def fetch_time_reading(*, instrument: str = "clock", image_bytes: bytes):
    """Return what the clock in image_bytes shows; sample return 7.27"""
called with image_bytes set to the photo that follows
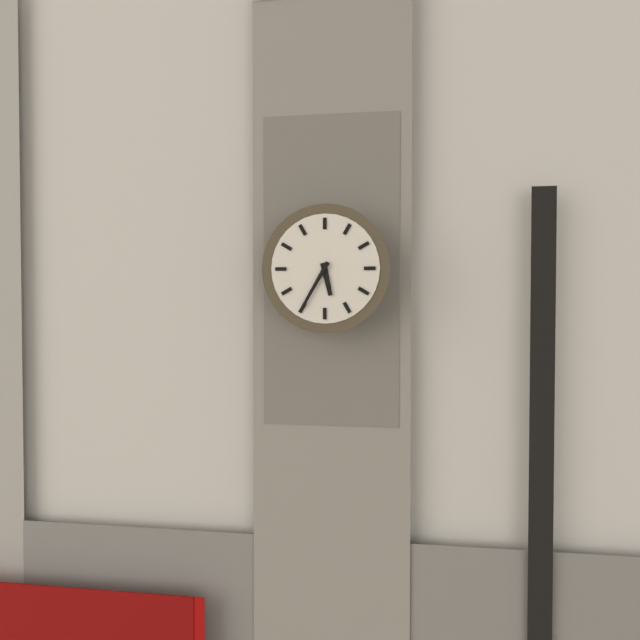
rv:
5.35
